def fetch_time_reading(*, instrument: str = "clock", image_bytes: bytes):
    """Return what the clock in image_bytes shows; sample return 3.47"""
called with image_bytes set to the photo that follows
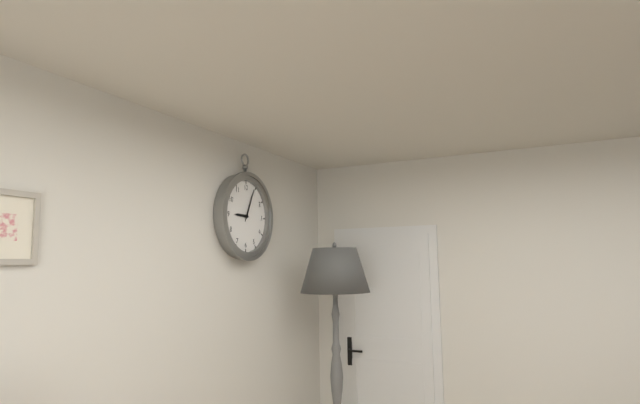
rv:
9.04
